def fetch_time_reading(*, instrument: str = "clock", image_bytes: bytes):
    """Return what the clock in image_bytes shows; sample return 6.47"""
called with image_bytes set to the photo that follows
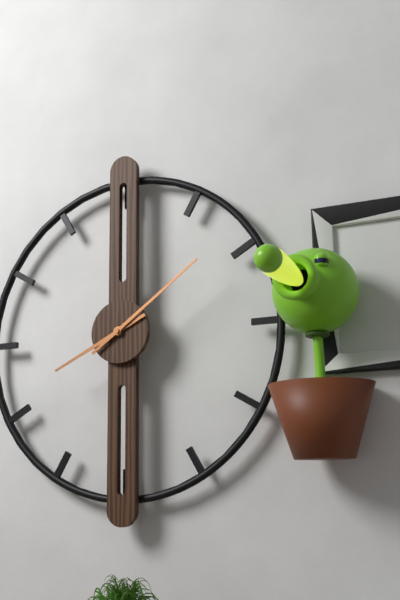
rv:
8.09
